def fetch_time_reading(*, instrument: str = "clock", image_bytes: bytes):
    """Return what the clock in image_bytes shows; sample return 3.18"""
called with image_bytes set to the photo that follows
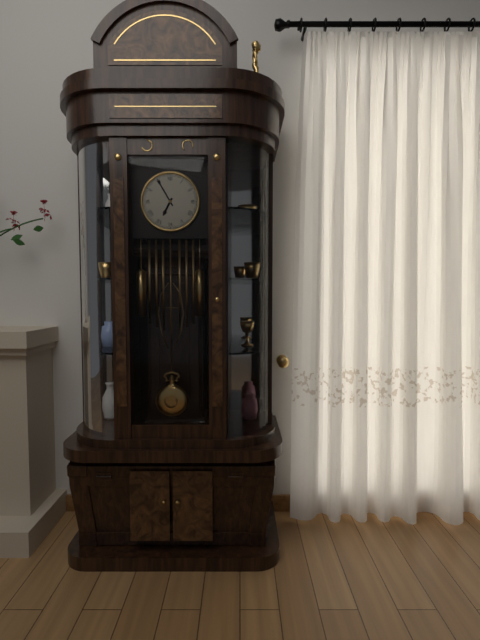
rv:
6.55
